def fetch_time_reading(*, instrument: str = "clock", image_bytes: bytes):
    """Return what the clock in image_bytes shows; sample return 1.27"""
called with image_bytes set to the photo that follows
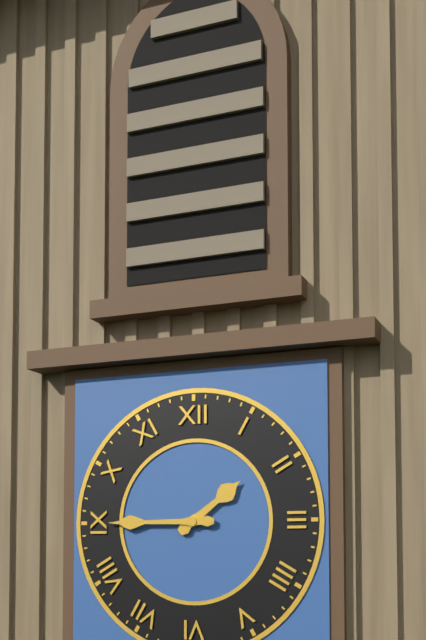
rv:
1.45
